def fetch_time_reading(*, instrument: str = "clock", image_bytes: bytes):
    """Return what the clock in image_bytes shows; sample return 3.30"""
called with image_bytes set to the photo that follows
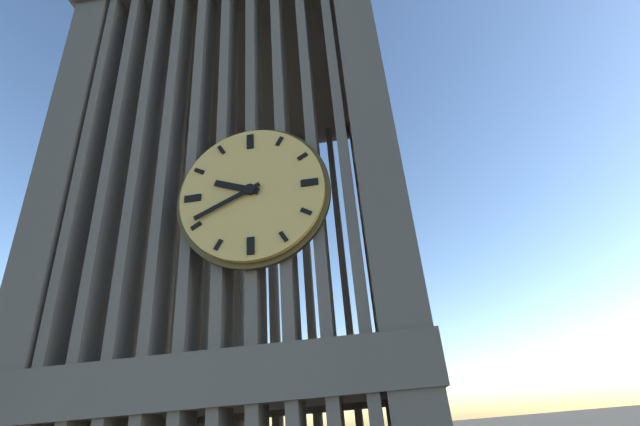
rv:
9.41
